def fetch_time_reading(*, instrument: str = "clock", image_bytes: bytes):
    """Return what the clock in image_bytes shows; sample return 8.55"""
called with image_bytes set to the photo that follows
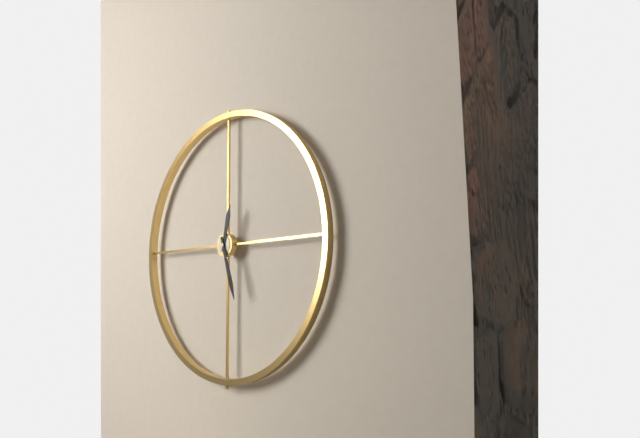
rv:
12.27
